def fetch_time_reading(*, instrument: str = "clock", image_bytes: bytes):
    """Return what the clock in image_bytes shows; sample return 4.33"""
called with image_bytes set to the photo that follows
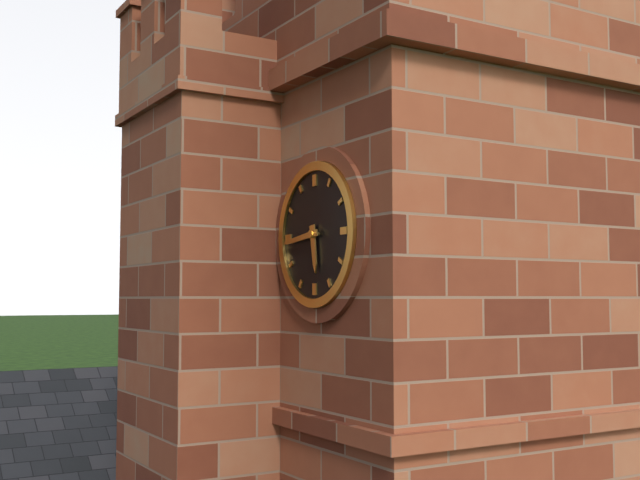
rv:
5.44
